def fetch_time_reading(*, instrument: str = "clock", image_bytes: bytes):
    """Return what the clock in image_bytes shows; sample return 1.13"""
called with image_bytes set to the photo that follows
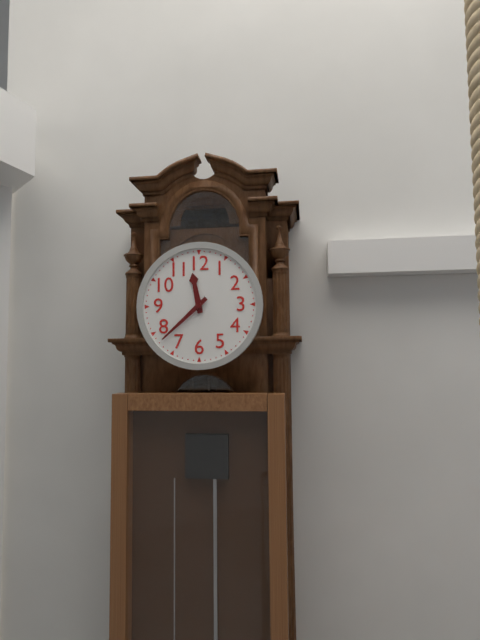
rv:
11.38
